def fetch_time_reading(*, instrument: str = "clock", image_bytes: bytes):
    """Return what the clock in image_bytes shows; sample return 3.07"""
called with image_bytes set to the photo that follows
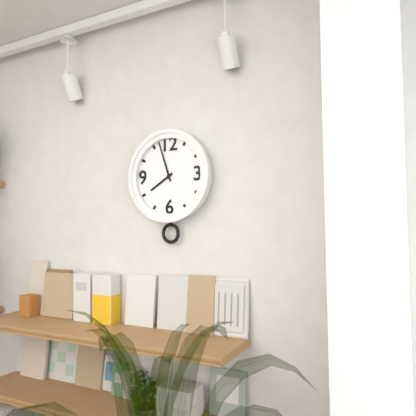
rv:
7.57
